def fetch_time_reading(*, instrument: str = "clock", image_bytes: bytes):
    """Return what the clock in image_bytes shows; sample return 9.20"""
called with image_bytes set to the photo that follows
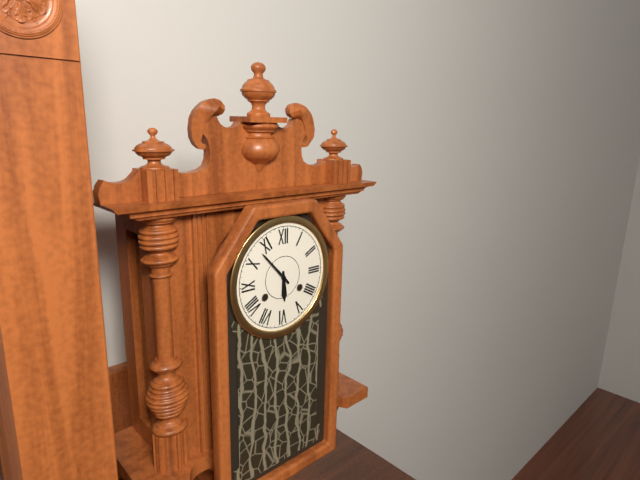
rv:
5.53
